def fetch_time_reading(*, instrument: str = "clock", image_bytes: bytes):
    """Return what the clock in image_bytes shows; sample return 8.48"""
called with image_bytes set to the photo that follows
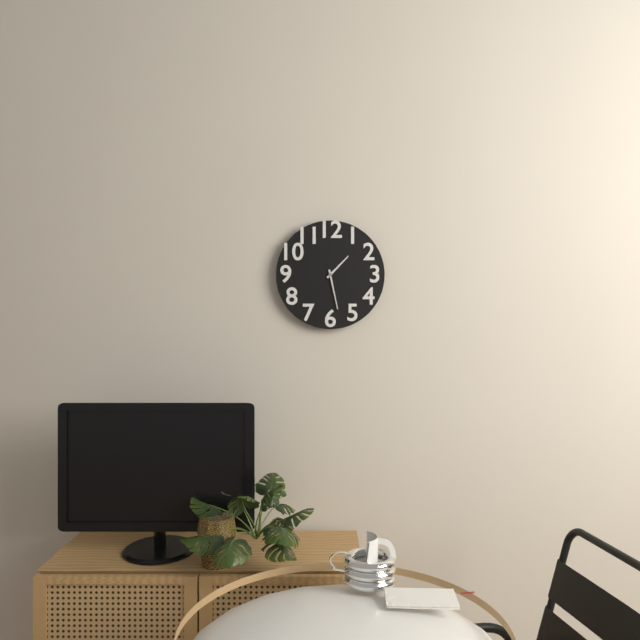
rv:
1.28
